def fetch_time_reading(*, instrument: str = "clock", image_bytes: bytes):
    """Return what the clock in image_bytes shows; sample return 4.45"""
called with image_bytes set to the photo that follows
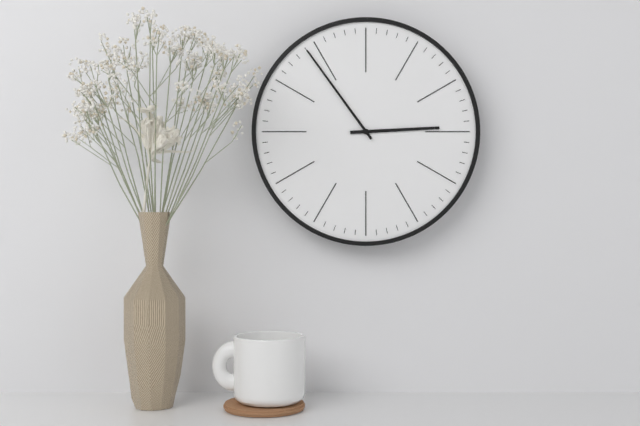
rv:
2.54
